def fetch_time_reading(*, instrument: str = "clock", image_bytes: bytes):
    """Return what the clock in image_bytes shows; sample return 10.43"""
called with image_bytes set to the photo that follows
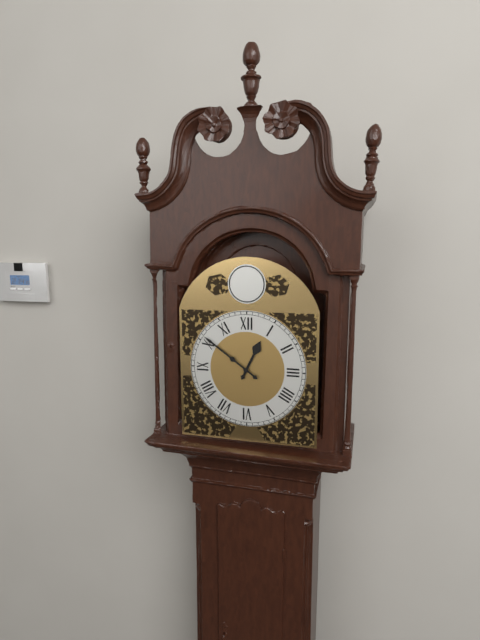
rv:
12.51
